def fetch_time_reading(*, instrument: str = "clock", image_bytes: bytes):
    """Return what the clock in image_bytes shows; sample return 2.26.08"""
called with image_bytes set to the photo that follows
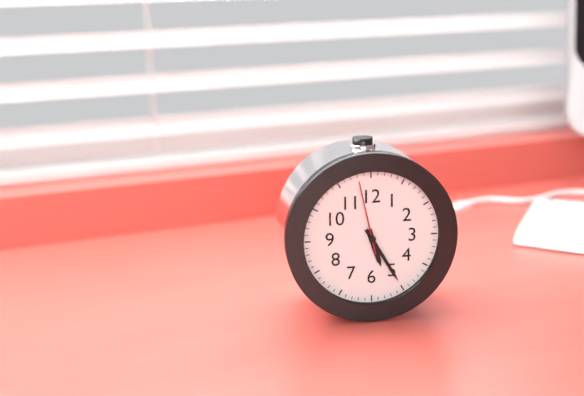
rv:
5.25.58
